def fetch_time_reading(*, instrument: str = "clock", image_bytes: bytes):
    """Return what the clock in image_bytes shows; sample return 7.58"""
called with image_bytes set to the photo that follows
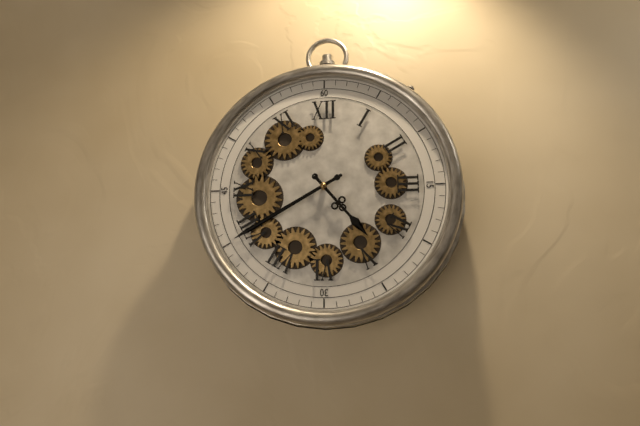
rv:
4.40
